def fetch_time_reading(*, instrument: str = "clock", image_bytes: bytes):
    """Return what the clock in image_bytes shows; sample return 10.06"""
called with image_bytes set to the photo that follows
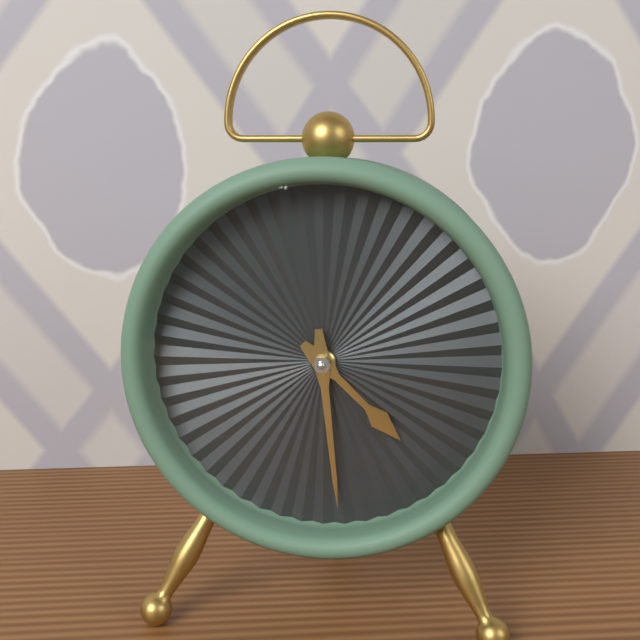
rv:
4.29
